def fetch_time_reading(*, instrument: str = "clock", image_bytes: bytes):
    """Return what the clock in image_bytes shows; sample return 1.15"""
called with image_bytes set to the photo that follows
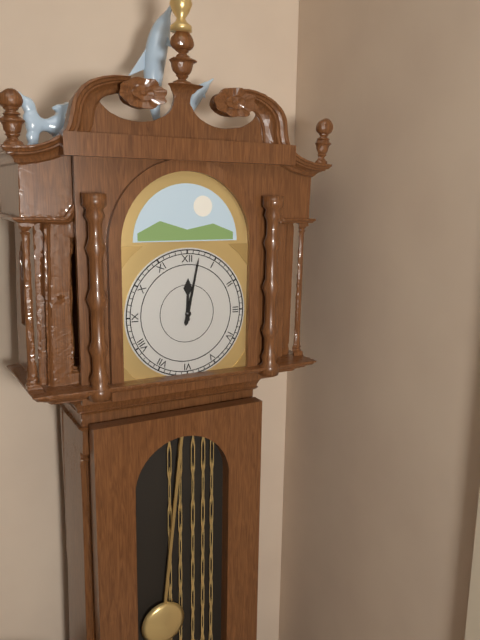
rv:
12.02
